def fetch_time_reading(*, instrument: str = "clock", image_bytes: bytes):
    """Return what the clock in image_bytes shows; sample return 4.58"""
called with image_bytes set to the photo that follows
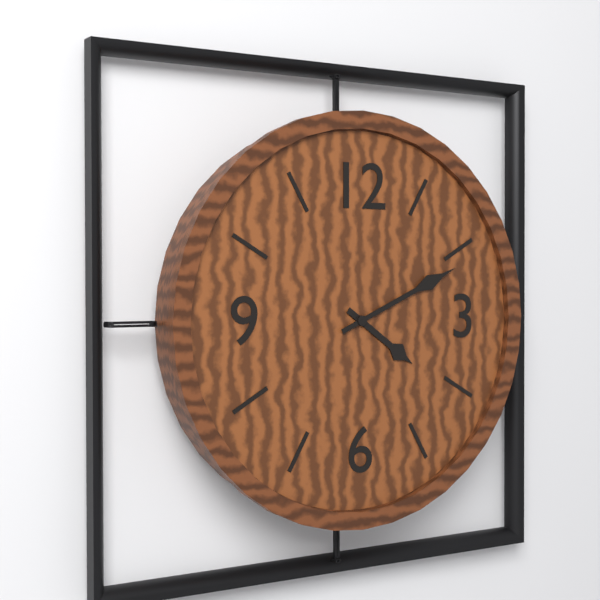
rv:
4.11
